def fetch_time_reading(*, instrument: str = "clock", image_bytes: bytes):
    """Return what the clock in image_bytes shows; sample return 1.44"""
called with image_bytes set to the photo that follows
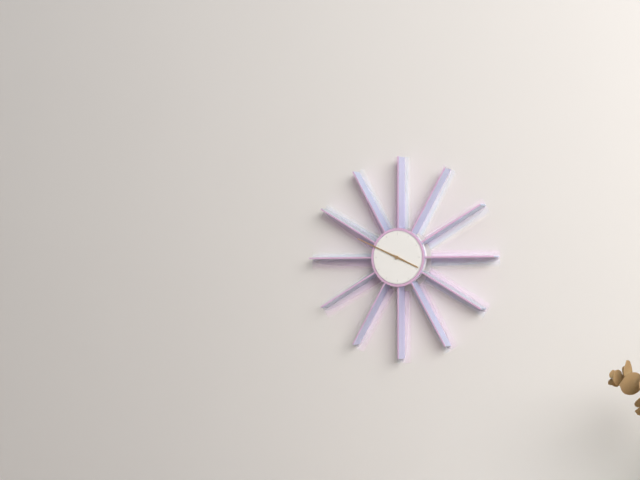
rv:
3.49
